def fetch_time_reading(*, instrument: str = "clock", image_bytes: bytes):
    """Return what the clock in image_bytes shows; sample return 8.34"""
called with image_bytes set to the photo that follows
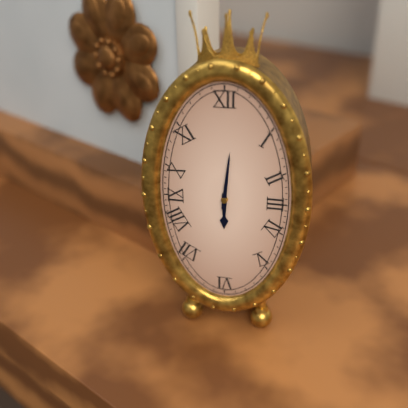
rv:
6.01
